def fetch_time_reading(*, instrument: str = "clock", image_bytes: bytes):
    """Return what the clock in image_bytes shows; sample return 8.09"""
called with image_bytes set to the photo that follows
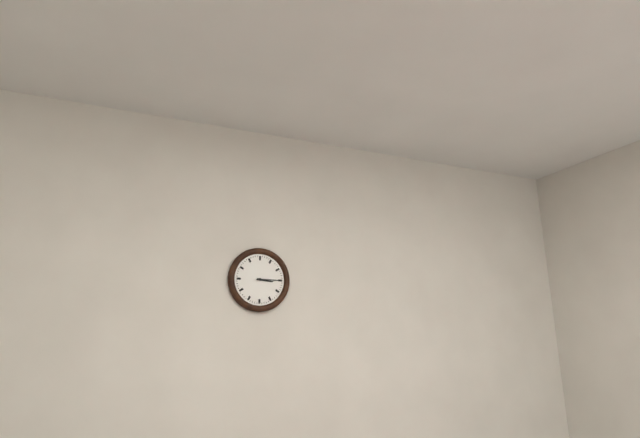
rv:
3.15
